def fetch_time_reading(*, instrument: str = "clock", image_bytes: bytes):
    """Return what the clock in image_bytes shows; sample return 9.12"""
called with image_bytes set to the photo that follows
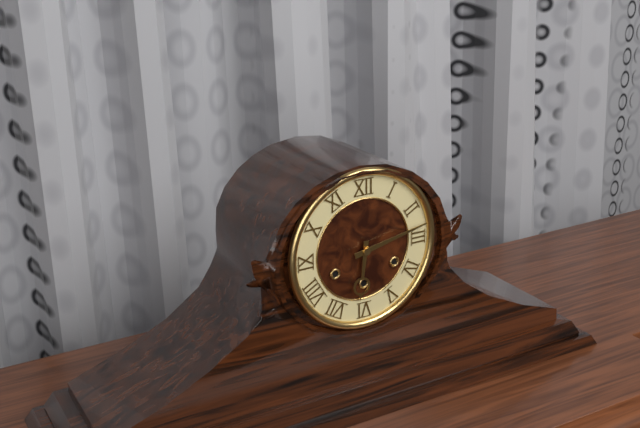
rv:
6.13
